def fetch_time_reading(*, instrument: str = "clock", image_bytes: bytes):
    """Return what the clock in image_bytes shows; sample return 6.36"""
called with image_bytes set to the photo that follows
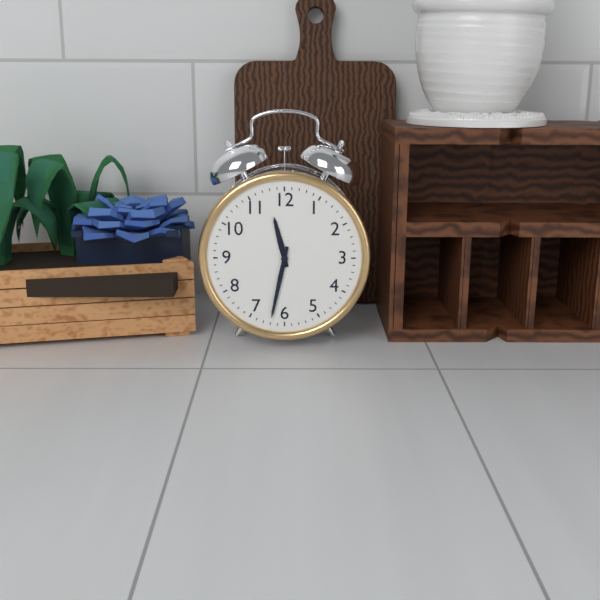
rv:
11.32
